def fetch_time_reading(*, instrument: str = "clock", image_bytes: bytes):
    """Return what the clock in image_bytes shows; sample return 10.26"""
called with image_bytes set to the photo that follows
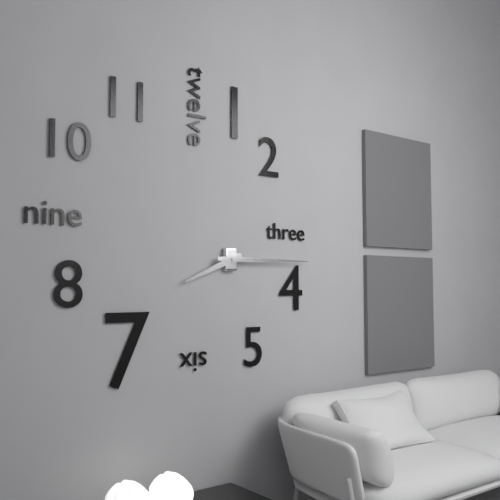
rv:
8.15
